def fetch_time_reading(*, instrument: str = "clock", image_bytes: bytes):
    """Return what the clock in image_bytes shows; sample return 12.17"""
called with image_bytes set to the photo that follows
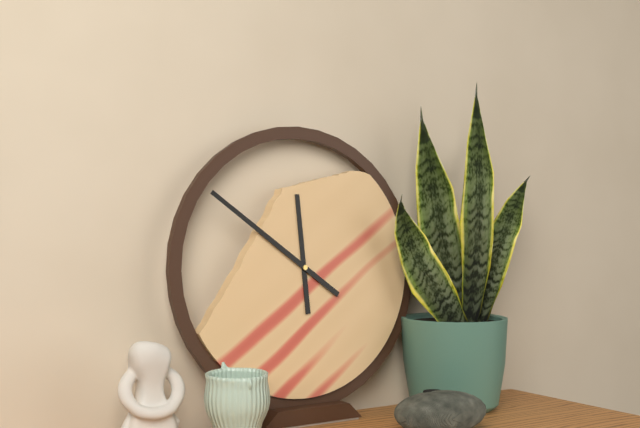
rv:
11.51
